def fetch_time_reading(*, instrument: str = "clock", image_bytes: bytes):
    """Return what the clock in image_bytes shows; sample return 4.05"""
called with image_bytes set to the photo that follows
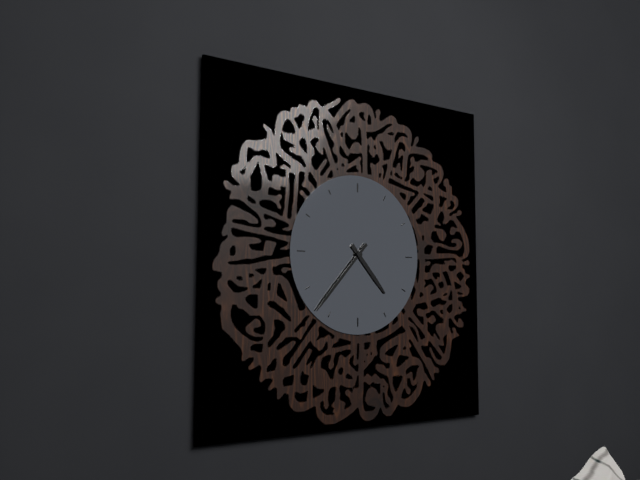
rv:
4.37
